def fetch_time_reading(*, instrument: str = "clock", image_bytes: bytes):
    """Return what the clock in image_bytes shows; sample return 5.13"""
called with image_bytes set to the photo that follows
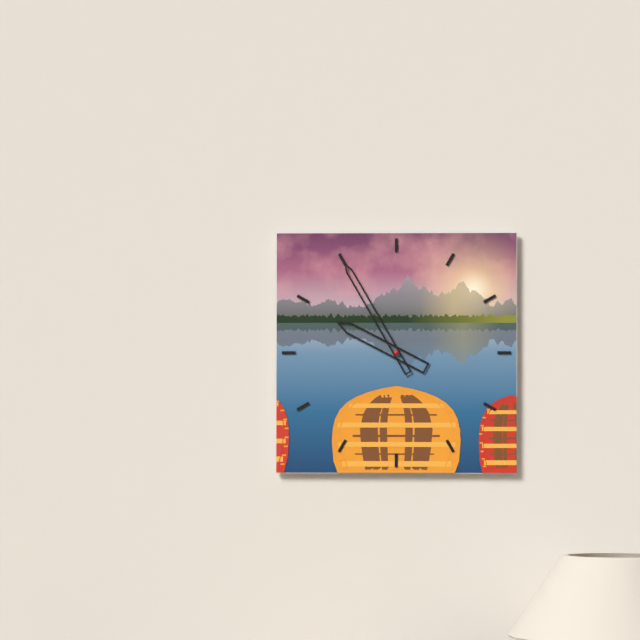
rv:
9.55
